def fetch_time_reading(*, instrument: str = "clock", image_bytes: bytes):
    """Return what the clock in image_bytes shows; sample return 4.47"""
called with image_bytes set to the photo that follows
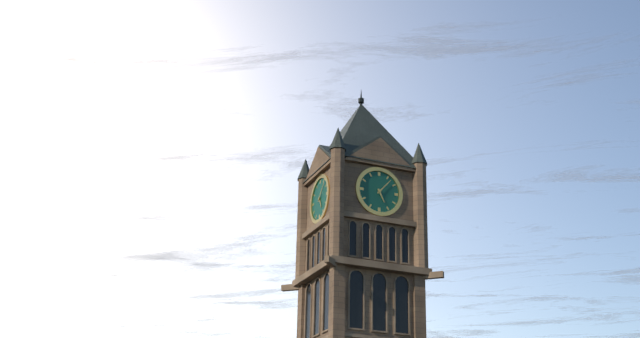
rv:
5.07
